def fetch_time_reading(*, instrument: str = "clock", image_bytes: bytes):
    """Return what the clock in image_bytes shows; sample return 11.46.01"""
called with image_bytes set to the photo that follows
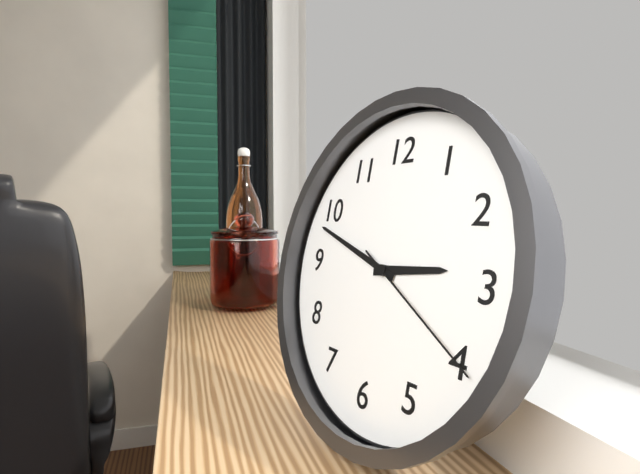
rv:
2.48.20
